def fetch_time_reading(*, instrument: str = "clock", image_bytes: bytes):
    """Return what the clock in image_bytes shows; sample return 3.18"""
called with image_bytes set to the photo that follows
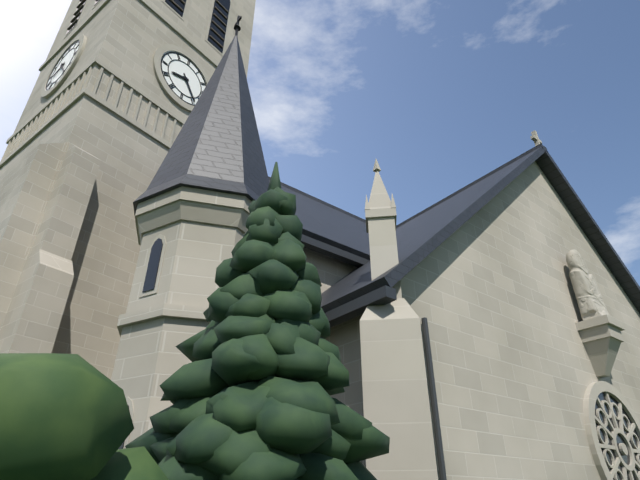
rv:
8.24
